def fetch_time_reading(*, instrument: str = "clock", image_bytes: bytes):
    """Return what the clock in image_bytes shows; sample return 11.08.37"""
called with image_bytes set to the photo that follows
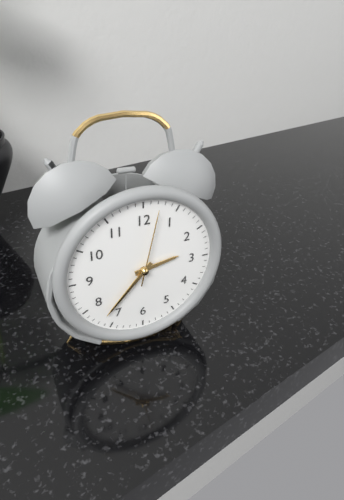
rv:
2.37.02
